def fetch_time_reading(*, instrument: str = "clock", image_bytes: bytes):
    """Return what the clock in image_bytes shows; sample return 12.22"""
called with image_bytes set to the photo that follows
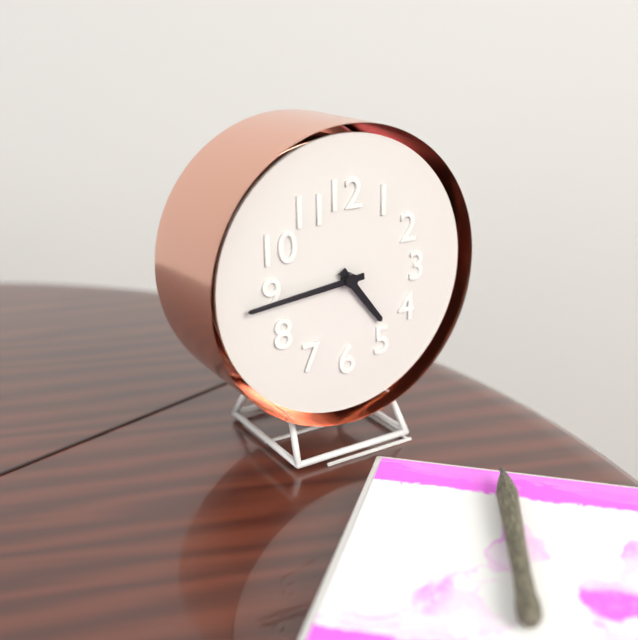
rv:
4.44
